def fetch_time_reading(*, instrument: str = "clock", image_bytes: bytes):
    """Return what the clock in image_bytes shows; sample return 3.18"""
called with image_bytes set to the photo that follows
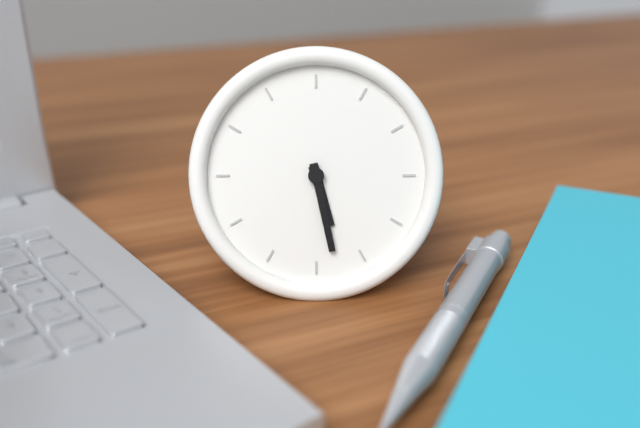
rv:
5.28
